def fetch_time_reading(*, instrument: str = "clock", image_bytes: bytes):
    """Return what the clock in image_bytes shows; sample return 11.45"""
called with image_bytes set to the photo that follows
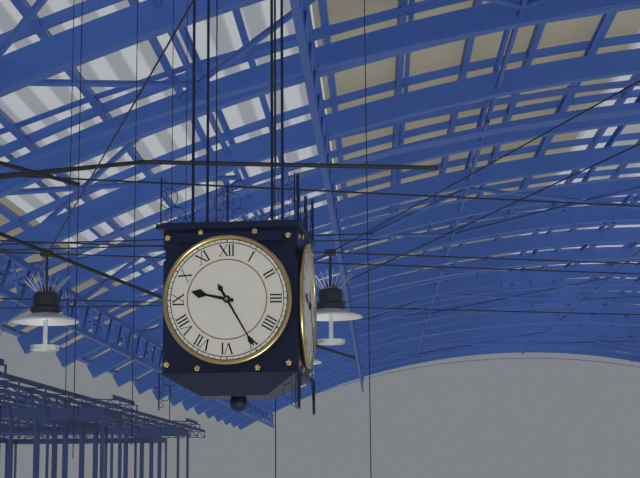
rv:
9.25
